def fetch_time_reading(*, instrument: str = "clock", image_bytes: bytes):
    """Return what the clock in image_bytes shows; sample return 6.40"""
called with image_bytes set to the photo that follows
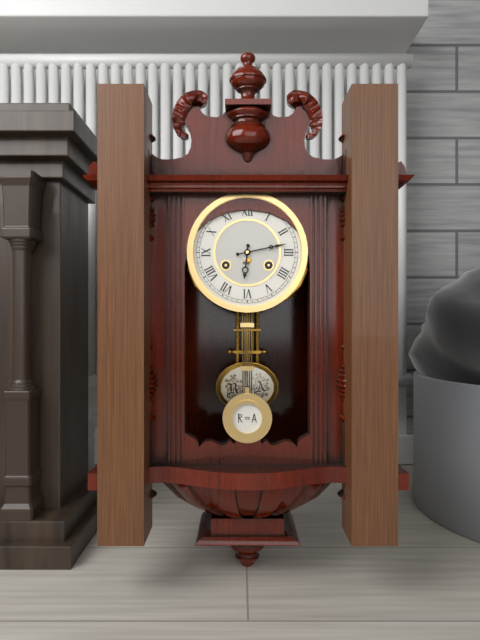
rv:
6.13
